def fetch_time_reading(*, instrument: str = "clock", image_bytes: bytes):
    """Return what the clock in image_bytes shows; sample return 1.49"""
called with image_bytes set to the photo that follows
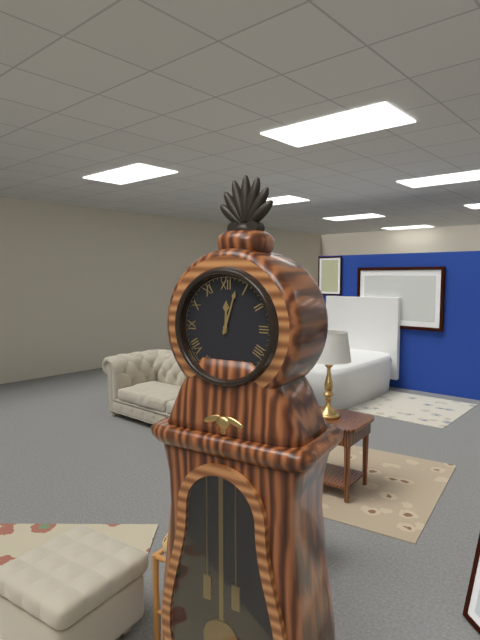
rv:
12.03
